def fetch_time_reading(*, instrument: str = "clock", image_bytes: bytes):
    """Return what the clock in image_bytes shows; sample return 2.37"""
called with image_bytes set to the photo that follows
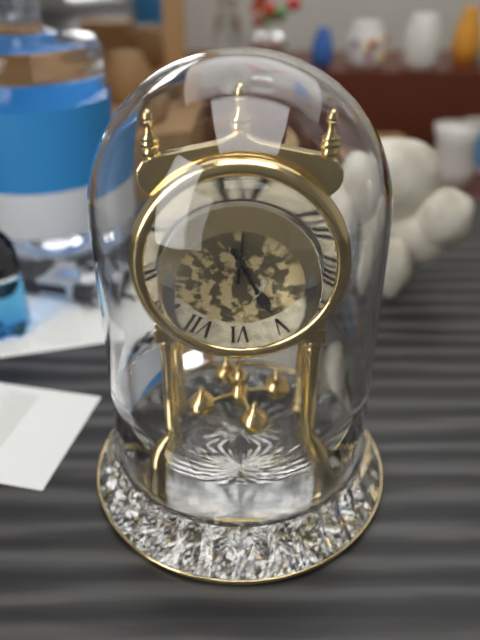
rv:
5.01
